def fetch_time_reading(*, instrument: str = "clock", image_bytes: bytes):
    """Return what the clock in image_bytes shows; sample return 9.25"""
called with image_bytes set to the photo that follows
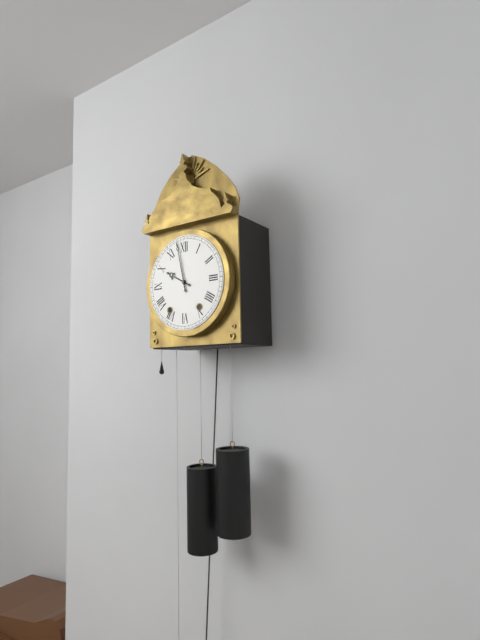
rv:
9.58
